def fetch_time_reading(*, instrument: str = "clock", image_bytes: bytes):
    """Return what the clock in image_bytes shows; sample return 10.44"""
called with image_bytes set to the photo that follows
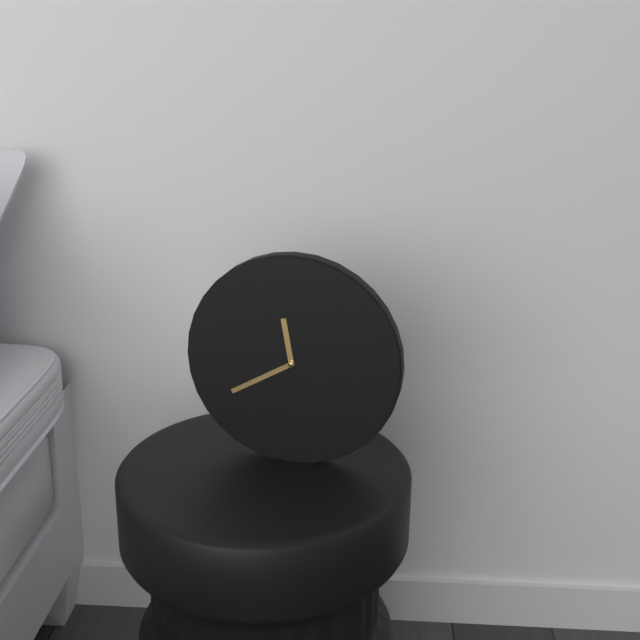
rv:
11.40
